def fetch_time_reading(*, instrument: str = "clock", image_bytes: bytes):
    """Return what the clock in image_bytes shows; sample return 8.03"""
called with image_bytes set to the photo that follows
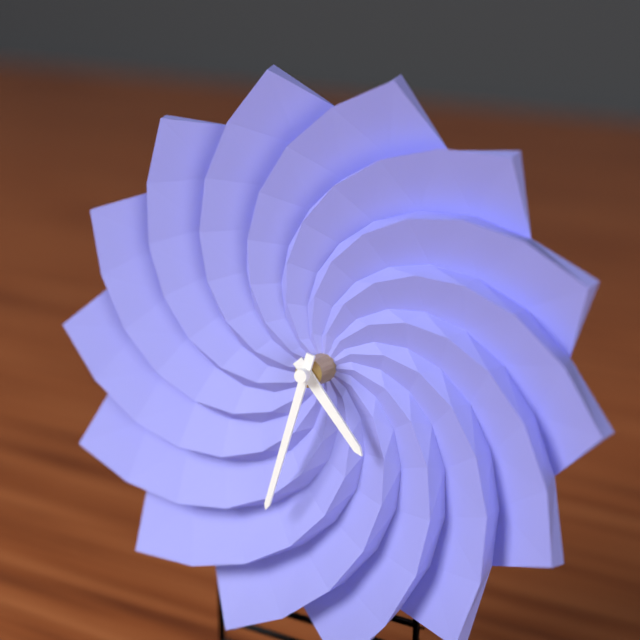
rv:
4.32
